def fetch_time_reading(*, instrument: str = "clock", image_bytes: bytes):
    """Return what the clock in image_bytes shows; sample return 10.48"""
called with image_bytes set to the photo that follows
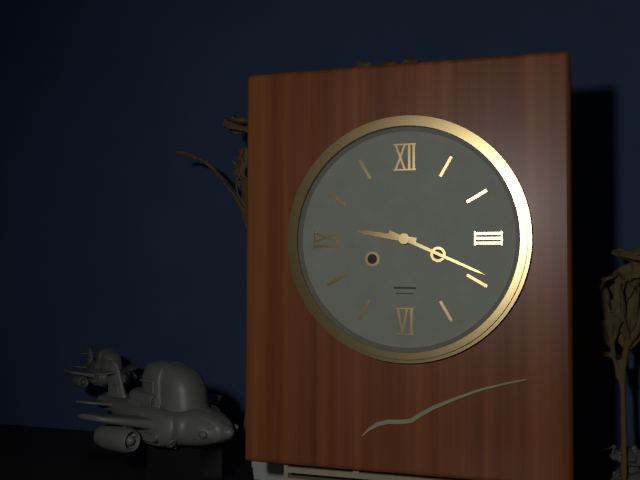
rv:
9.19
